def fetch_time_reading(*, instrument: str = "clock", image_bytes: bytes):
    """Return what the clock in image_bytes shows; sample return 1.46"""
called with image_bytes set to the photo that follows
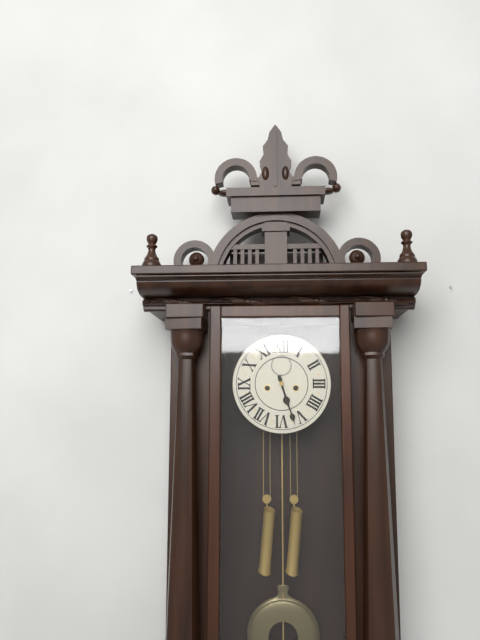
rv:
5.27
